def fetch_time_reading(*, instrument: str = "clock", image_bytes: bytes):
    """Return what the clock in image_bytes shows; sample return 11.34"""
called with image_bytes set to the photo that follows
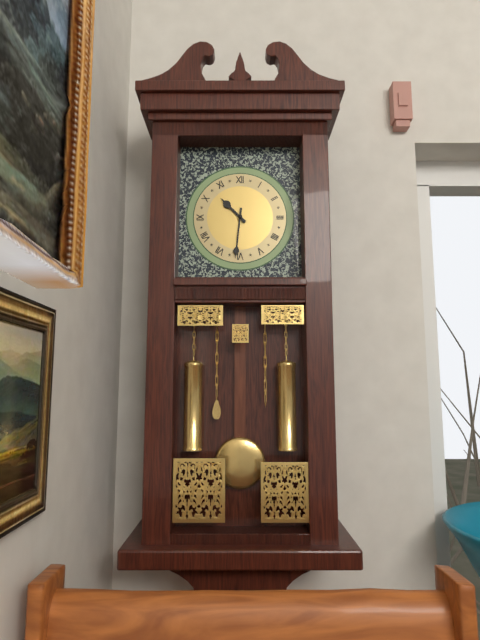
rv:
10.31
